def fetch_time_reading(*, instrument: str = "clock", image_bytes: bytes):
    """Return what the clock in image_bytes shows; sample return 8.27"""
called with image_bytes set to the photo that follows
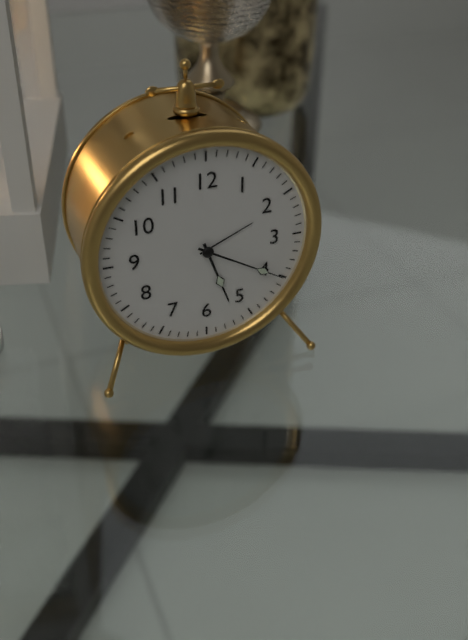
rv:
5.20
